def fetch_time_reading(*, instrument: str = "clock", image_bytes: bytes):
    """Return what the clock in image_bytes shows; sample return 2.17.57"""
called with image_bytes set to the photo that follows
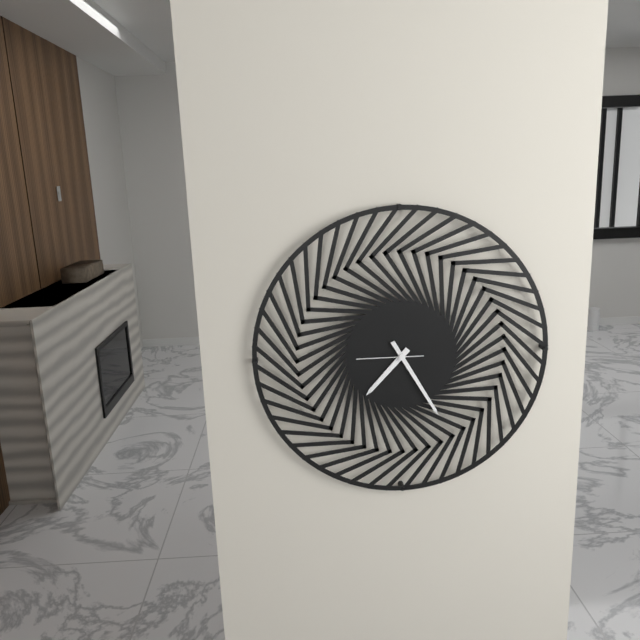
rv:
7.25.45
